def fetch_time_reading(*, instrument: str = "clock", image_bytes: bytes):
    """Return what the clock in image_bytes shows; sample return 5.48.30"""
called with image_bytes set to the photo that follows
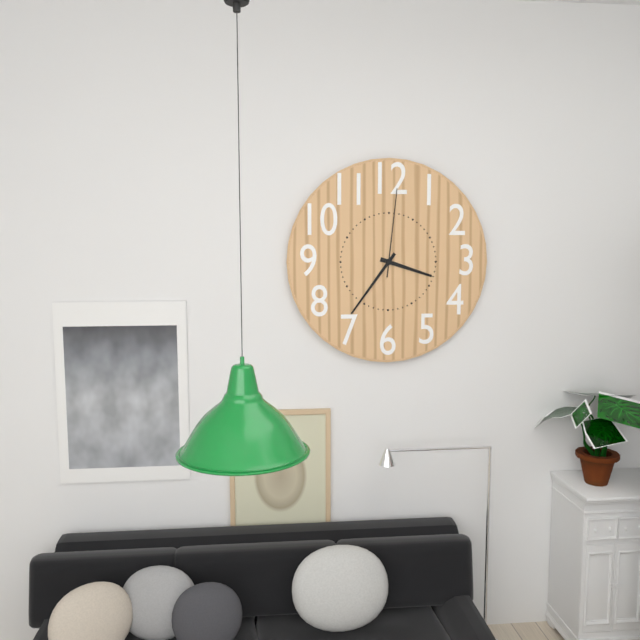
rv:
3.36.01
